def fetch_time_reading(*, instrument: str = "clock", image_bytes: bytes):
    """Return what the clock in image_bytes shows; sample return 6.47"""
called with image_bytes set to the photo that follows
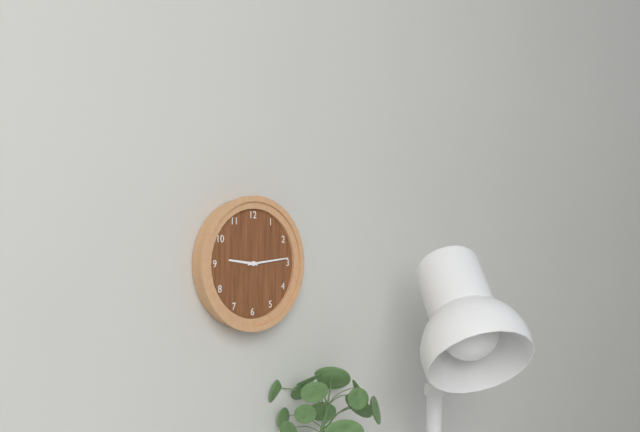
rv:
9.14
